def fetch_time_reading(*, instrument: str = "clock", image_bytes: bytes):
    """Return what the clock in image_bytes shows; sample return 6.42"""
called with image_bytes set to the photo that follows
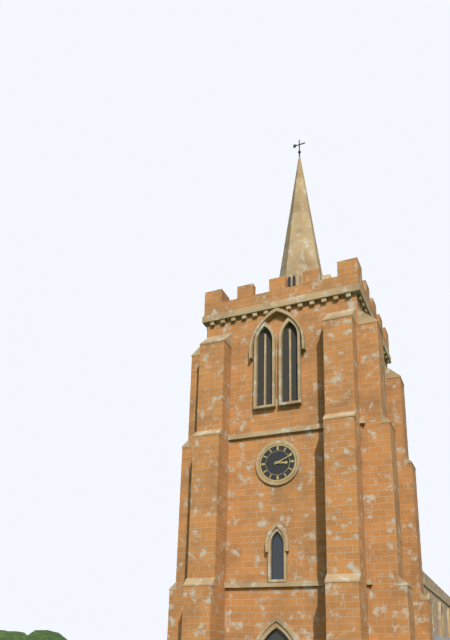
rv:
3.11
